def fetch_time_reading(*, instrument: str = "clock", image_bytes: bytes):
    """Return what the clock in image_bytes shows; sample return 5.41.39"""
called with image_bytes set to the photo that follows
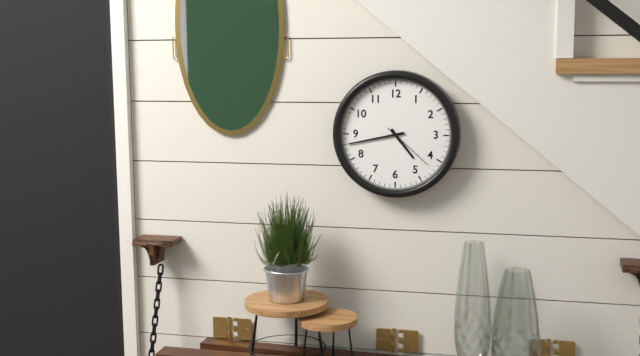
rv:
4.43.22
